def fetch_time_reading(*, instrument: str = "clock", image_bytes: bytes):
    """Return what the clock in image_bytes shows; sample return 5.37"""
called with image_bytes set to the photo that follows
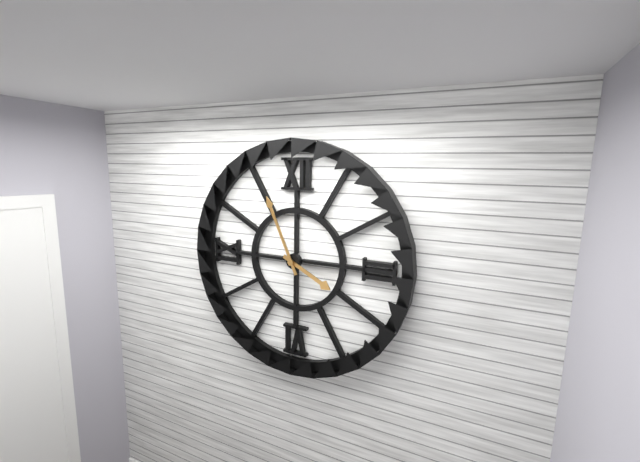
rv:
3.56
